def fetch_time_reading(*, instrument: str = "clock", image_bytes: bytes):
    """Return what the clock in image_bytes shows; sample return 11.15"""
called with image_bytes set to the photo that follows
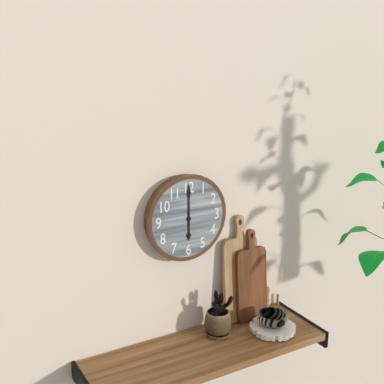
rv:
6.00
